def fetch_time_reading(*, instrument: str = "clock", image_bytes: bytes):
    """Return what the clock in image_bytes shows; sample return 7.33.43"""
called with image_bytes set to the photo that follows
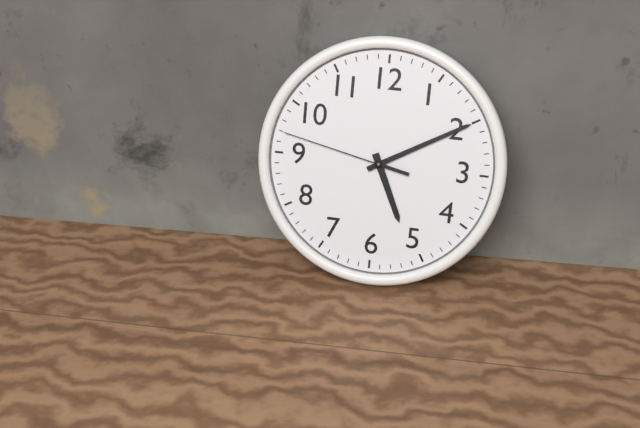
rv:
5.10.47
